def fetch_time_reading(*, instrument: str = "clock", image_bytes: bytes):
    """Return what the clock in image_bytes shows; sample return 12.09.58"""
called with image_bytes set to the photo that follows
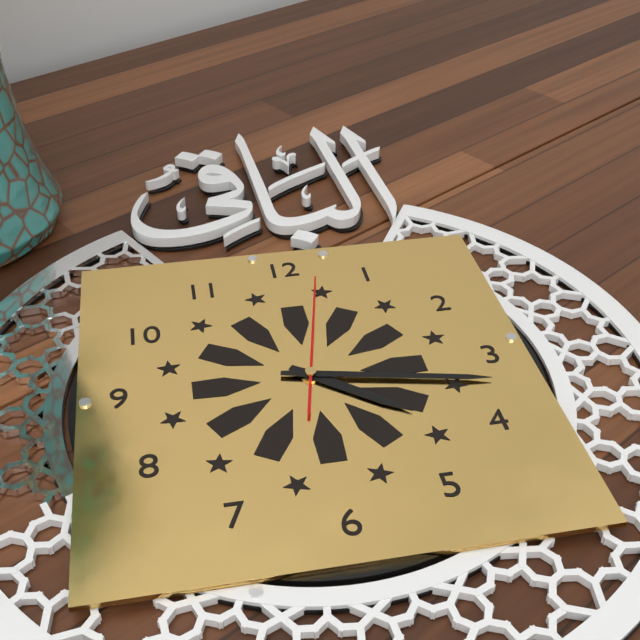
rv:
4.17.02
